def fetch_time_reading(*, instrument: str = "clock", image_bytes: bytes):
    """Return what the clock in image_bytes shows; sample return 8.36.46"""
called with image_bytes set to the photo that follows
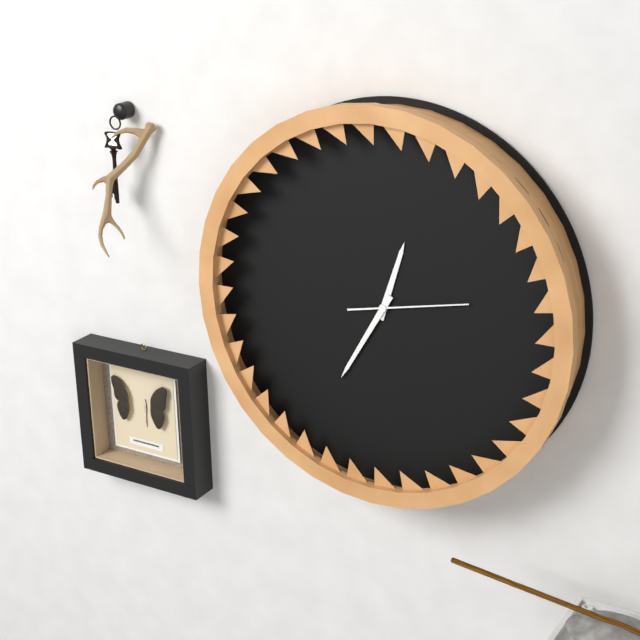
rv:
12.35.13
